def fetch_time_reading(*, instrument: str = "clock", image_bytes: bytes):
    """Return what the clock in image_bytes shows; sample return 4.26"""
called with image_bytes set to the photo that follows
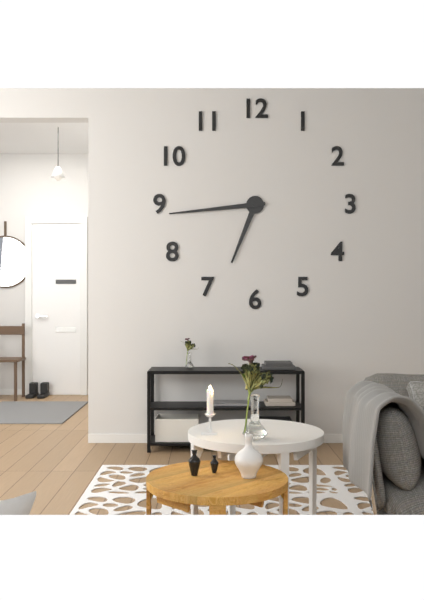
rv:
6.44
